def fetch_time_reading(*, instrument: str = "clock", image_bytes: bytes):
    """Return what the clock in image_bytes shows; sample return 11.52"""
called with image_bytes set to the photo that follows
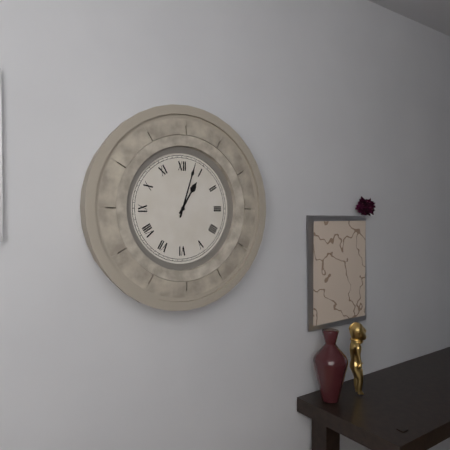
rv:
1.03
